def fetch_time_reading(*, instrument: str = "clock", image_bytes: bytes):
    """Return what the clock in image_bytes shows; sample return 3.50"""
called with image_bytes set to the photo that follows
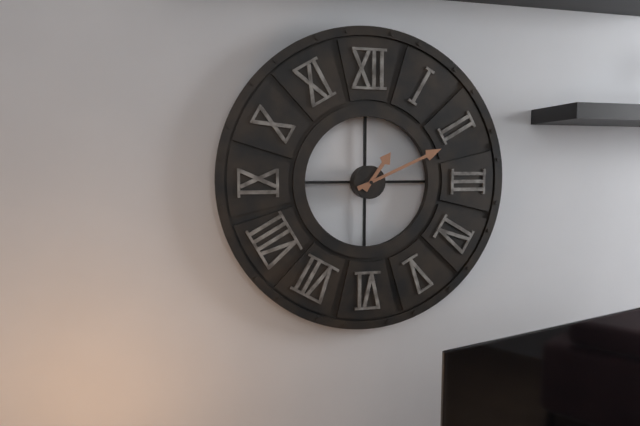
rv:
1.11
